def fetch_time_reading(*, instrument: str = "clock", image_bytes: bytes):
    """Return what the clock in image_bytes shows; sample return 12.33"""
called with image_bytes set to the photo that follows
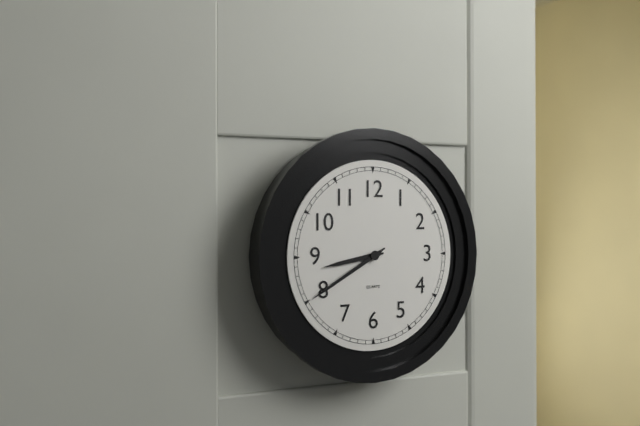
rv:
8.40
